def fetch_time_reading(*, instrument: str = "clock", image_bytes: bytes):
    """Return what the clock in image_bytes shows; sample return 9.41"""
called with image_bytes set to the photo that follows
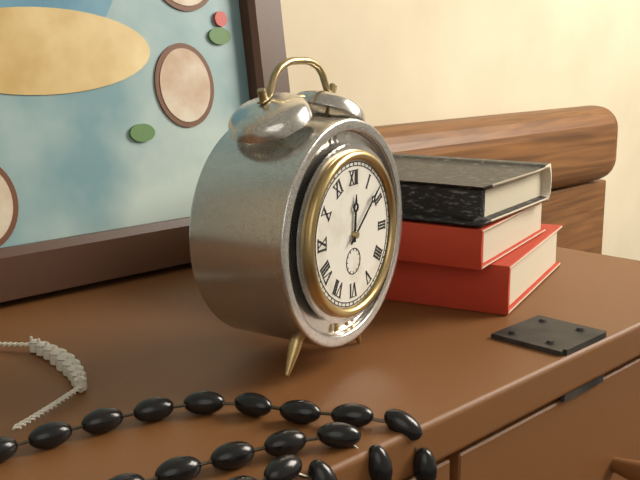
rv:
12.08
